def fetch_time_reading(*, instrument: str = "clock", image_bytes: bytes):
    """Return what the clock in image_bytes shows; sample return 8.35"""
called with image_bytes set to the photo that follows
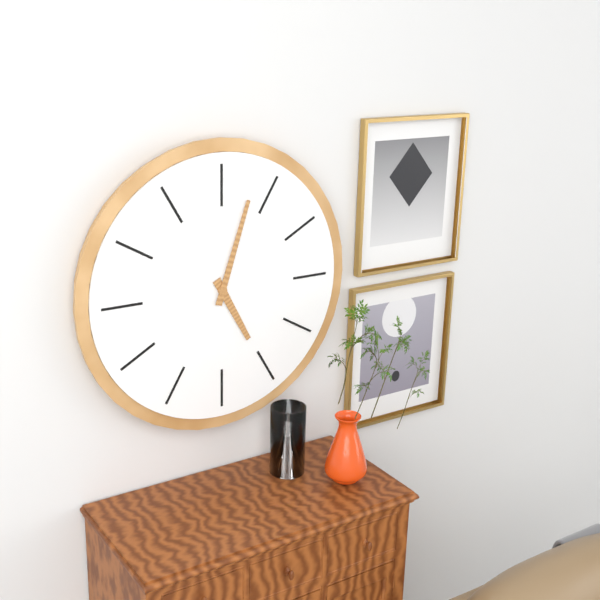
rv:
5.03
